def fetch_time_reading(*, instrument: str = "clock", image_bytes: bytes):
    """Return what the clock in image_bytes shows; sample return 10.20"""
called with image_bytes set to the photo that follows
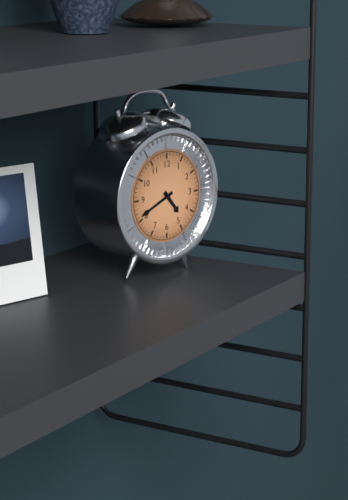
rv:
4.41
